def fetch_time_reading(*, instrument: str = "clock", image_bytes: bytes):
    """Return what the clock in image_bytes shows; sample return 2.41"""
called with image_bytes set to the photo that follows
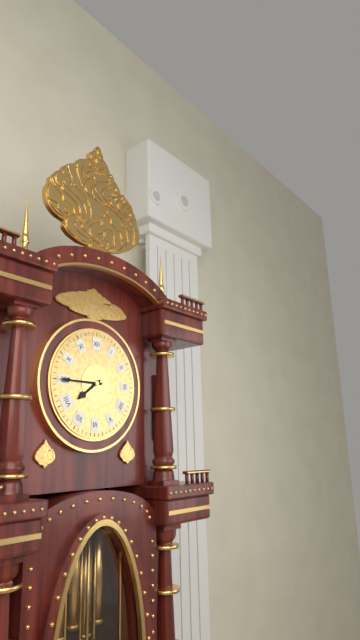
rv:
7.45
